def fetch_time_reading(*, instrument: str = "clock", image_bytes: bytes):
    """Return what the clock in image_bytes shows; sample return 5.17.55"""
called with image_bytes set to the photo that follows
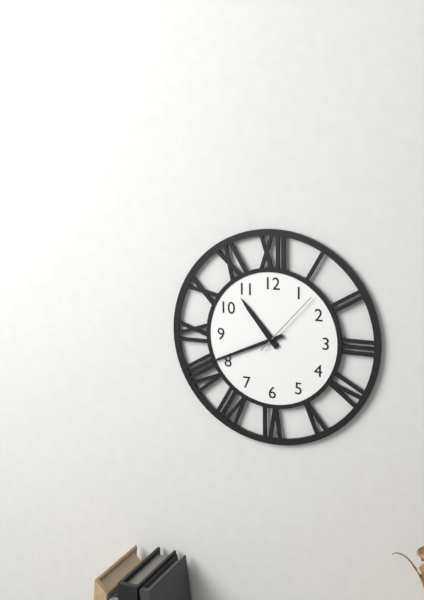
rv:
10.41.07
